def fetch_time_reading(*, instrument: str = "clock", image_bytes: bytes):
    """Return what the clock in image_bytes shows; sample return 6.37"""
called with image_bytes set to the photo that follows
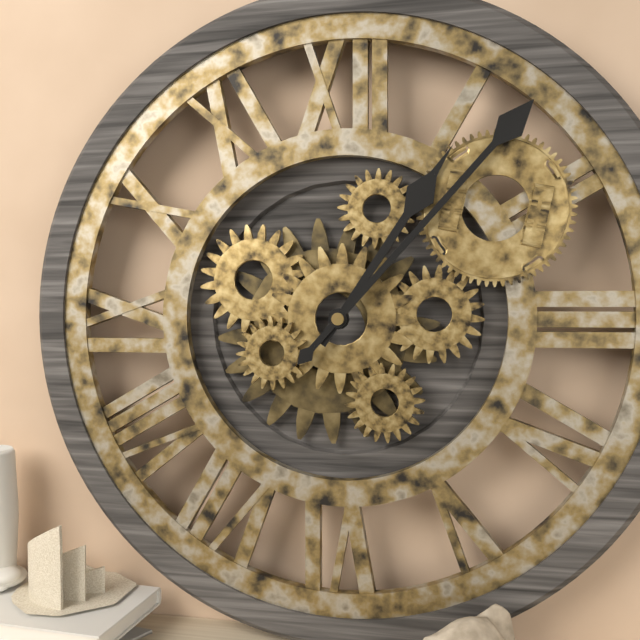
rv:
1.07
